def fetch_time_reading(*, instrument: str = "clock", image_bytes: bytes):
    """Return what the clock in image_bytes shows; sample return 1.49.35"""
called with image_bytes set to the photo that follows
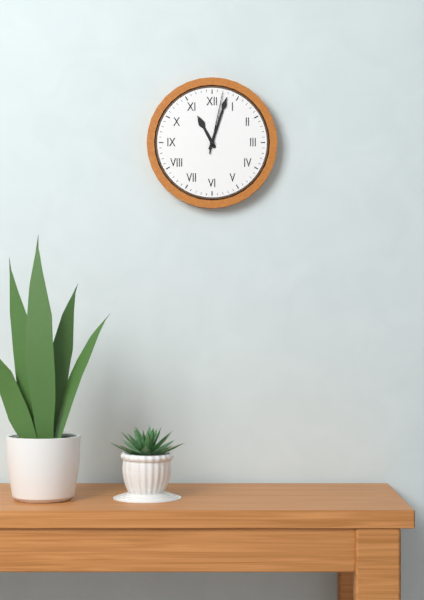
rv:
11.03.02
